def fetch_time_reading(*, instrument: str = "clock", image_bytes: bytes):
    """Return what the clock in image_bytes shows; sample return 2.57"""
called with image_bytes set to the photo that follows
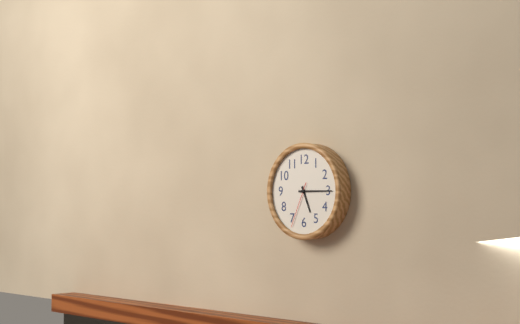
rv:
5.15
